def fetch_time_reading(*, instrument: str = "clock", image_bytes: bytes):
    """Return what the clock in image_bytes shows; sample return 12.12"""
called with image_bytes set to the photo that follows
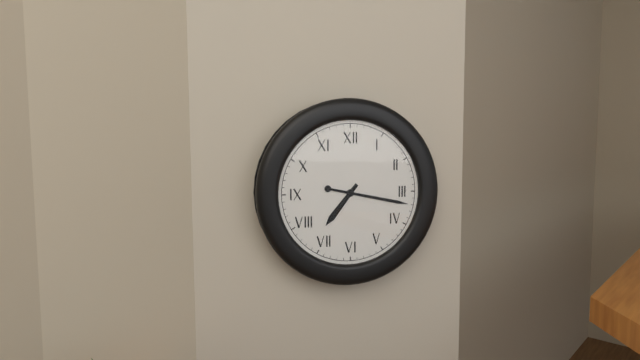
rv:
7.17
